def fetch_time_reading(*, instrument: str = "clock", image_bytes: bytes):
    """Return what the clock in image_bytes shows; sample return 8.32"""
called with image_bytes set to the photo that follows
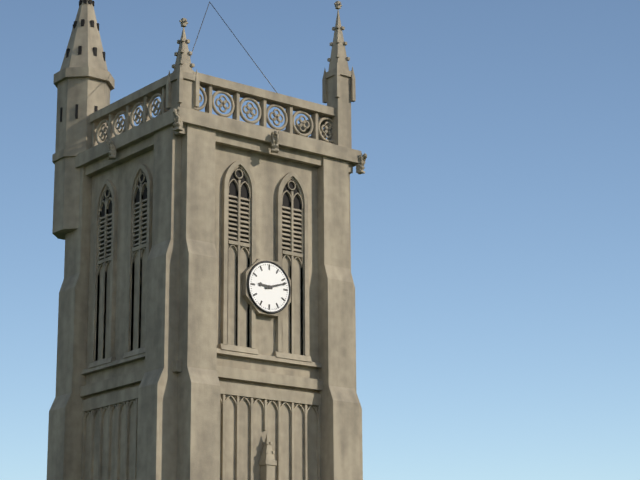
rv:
9.12
